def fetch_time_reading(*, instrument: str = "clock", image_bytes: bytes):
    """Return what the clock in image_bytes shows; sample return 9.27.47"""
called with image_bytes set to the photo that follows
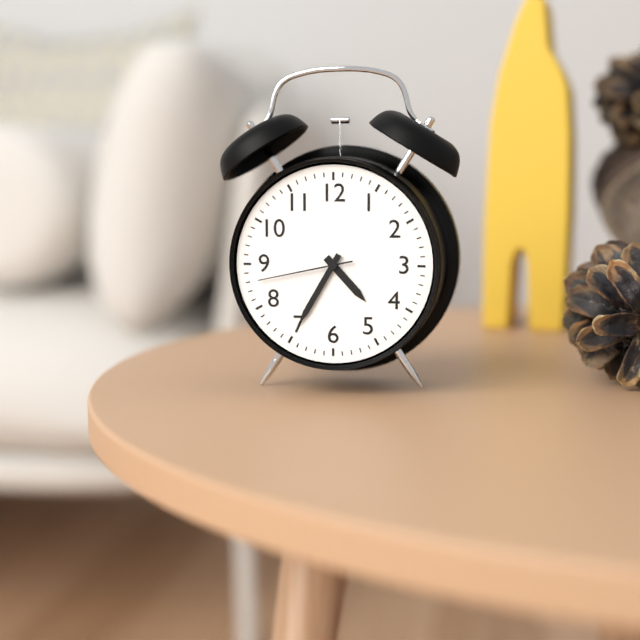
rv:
4.35.43
